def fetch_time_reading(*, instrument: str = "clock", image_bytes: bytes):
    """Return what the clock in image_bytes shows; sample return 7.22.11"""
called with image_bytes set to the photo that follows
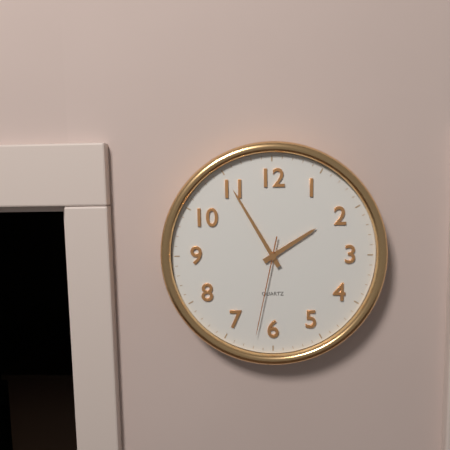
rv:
1.55.32
